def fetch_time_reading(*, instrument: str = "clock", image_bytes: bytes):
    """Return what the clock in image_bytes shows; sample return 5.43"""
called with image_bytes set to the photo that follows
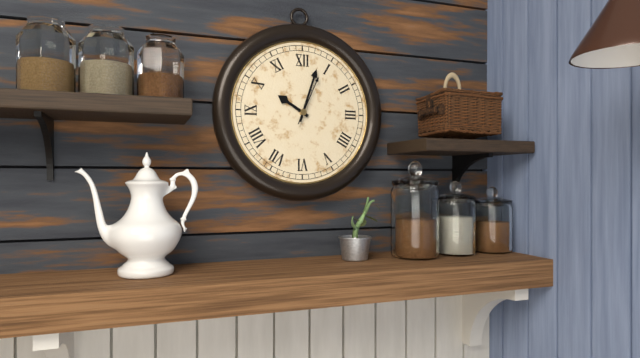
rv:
10.03
